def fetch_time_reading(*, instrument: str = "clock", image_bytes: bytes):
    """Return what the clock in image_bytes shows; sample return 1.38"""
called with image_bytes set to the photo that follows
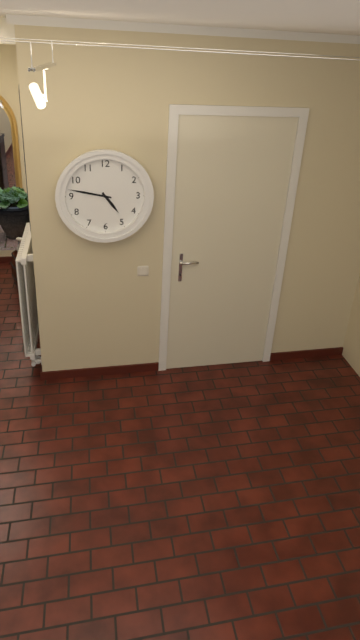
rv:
4.47
